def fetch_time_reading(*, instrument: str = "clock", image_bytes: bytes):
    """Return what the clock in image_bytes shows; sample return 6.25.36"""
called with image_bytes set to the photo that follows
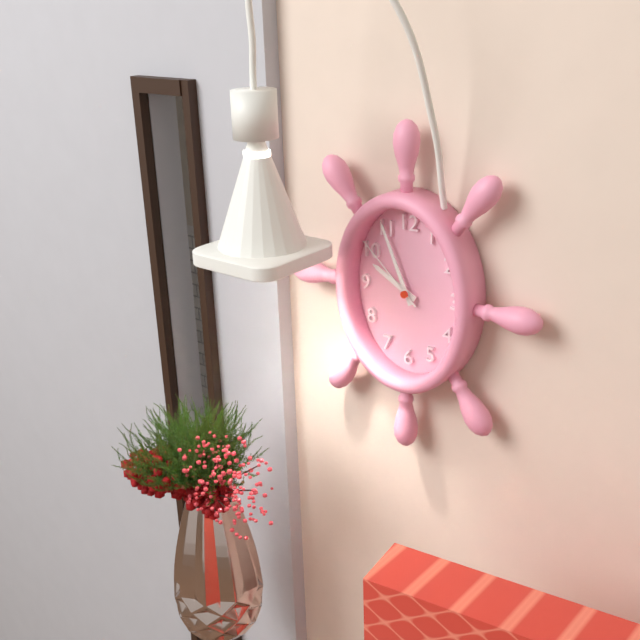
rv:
9.56.52
